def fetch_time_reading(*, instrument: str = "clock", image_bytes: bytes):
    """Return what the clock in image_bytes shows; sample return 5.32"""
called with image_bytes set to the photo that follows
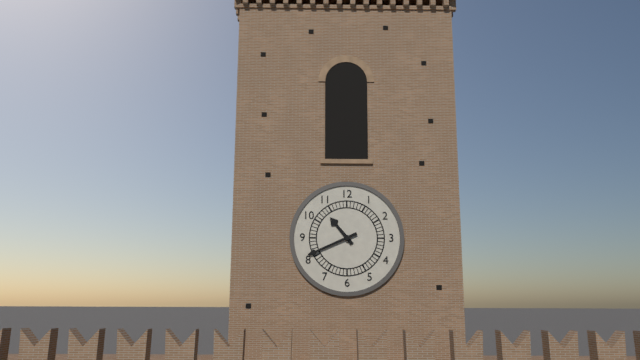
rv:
10.41
